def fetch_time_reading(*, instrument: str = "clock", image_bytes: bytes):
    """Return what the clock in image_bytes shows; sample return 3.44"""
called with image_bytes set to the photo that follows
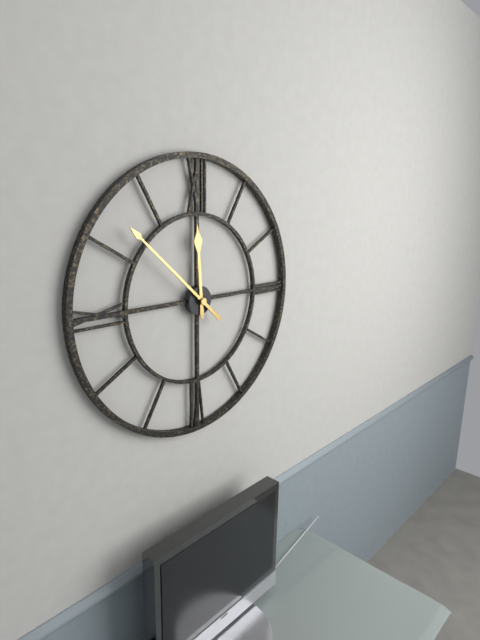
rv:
11.52
